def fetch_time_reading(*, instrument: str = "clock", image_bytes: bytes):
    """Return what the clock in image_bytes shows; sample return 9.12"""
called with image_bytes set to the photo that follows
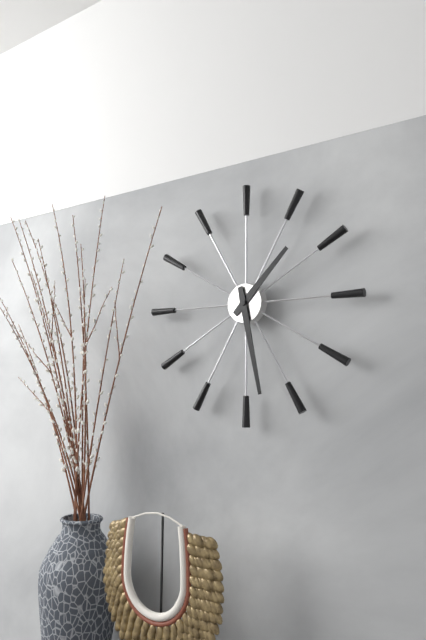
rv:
1.28
